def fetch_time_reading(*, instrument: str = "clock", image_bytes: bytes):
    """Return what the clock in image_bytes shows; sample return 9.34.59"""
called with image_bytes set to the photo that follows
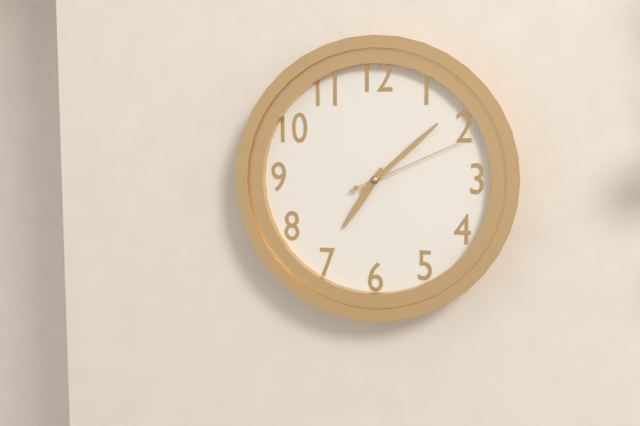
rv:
7.08.11
